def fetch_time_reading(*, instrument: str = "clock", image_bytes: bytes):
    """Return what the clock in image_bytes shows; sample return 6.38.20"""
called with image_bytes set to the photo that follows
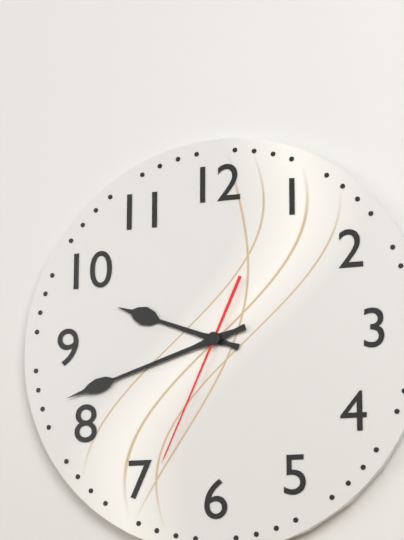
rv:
9.42.34
